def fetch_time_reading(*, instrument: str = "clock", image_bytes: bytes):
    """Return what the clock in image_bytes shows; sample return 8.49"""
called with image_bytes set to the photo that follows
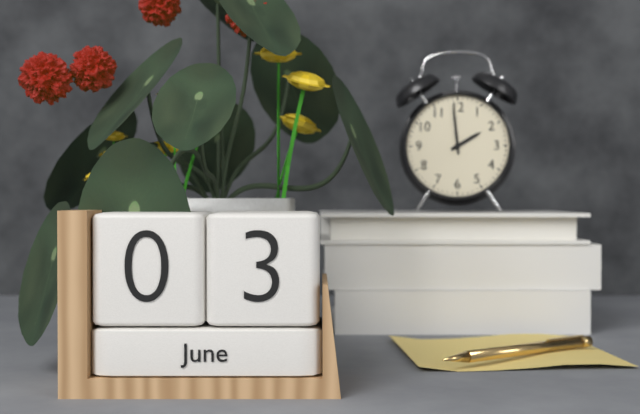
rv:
1.59
